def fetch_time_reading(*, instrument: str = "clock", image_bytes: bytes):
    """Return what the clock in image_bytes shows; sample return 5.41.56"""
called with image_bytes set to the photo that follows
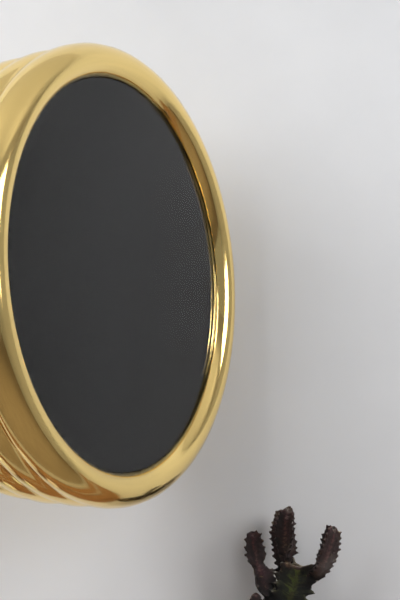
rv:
10.46.51
